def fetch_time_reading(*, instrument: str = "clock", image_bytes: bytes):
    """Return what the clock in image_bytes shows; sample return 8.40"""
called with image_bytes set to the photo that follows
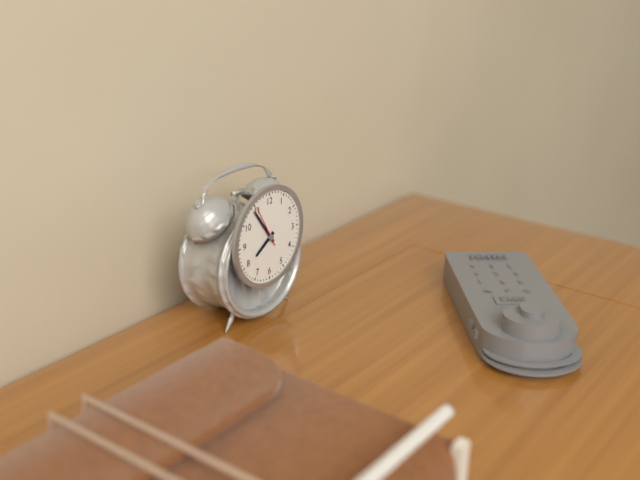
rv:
7.54
